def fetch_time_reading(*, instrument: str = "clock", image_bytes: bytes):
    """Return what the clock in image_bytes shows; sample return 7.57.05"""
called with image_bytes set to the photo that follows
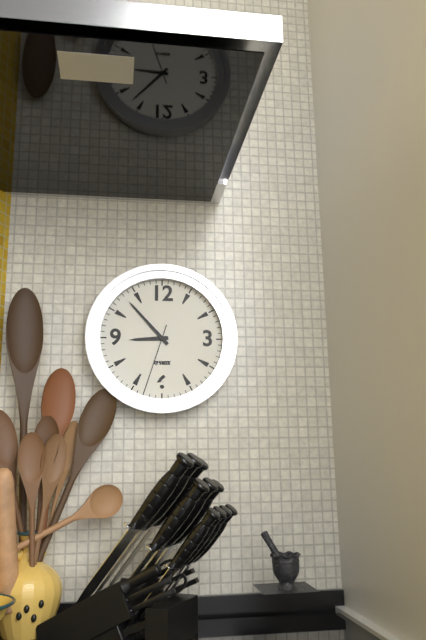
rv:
8.53.33
